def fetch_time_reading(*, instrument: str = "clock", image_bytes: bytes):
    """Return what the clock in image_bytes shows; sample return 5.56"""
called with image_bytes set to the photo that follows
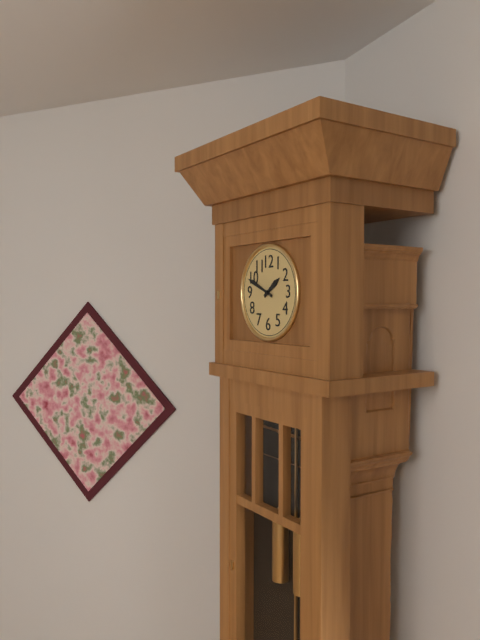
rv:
1.49
